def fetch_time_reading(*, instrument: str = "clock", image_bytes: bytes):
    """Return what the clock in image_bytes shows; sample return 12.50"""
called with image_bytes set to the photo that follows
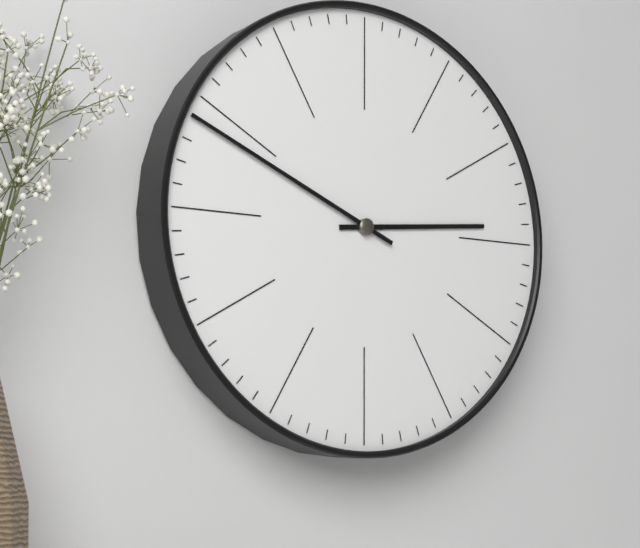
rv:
2.49
